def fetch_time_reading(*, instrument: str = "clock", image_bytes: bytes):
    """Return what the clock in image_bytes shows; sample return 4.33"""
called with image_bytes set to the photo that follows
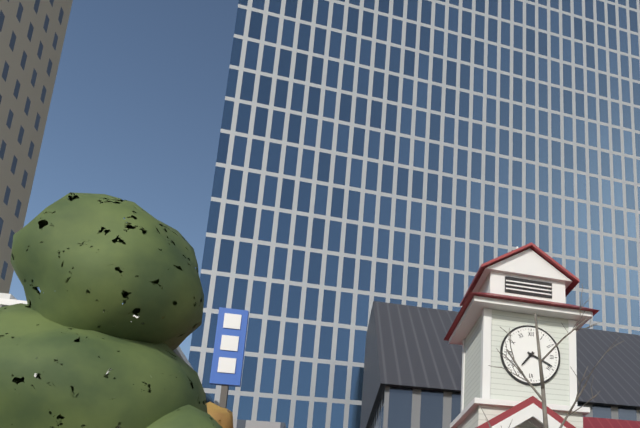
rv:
7.19
